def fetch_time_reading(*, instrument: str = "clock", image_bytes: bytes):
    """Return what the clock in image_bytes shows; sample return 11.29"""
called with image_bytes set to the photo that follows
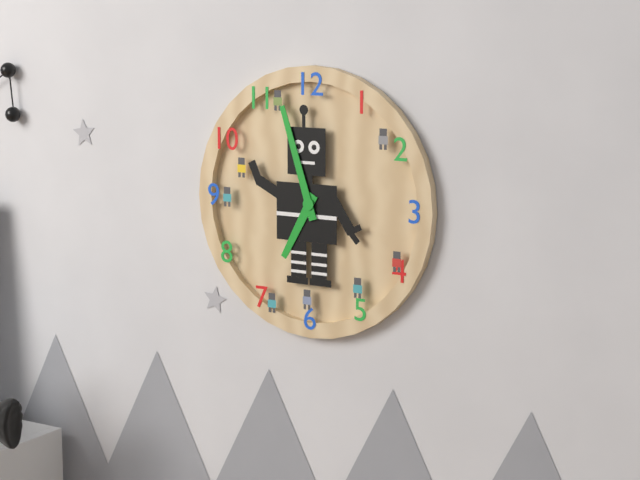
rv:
6.57
